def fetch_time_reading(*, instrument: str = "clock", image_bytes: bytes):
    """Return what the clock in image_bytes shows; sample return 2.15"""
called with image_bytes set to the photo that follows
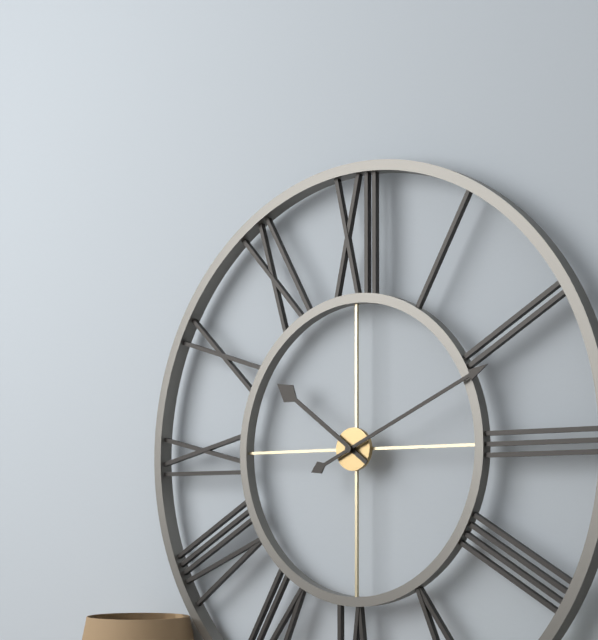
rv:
10.11
